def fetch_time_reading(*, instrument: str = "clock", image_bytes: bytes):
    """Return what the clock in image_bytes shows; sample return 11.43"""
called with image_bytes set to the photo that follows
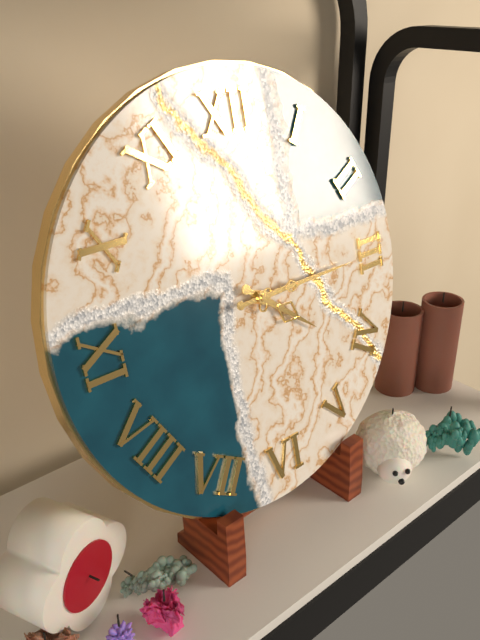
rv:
4.15
